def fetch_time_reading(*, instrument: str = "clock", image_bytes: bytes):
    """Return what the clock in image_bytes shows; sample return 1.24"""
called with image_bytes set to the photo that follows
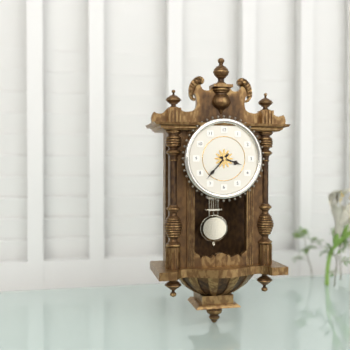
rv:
3.37
